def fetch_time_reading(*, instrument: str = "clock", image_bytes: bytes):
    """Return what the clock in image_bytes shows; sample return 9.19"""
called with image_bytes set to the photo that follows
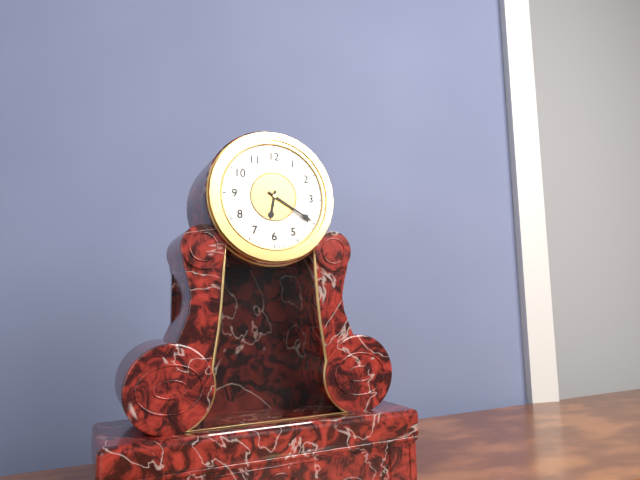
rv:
6.20
